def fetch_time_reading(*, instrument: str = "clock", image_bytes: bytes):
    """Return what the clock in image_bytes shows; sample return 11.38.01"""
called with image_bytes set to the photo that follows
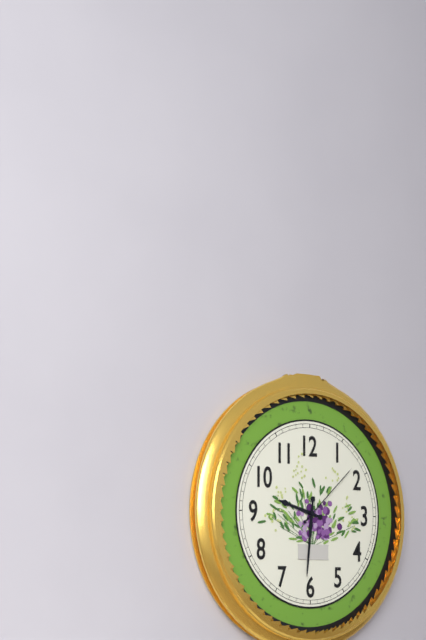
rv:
9.31.08
